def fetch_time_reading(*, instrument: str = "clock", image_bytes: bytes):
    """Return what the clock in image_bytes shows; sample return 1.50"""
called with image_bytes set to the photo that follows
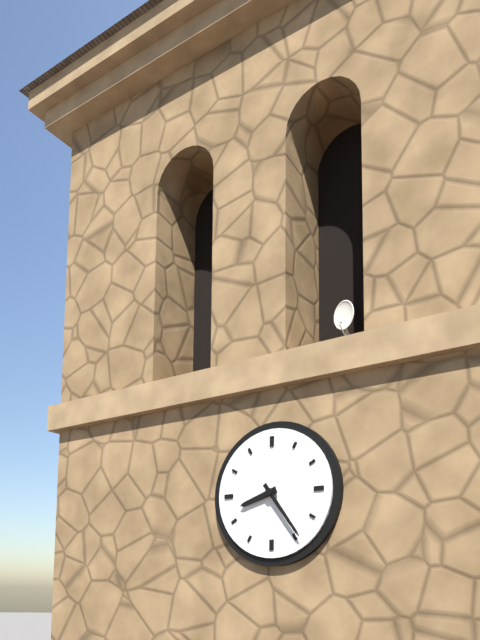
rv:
8.24
